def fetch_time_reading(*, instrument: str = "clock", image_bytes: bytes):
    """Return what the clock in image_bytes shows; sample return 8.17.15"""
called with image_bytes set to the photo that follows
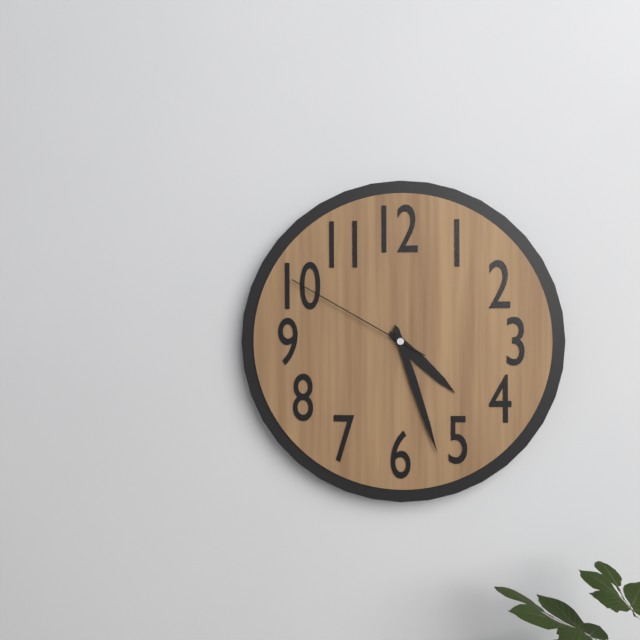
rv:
4.27.50
